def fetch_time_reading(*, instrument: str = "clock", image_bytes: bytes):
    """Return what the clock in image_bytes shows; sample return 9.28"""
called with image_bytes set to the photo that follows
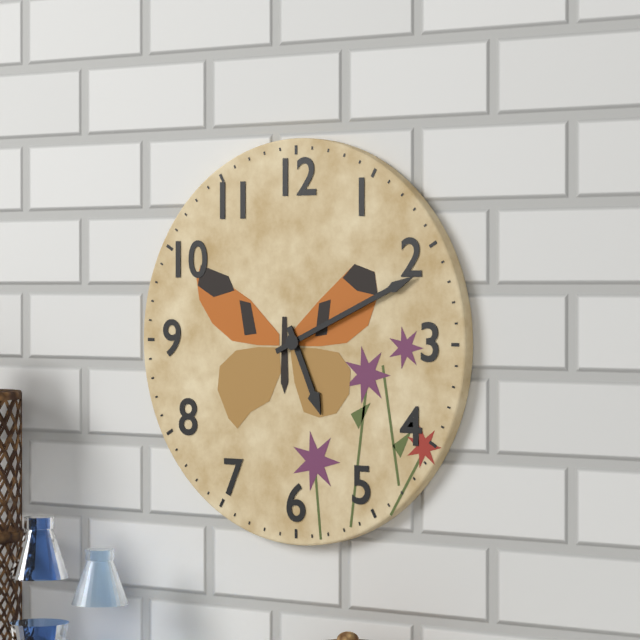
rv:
5.11
